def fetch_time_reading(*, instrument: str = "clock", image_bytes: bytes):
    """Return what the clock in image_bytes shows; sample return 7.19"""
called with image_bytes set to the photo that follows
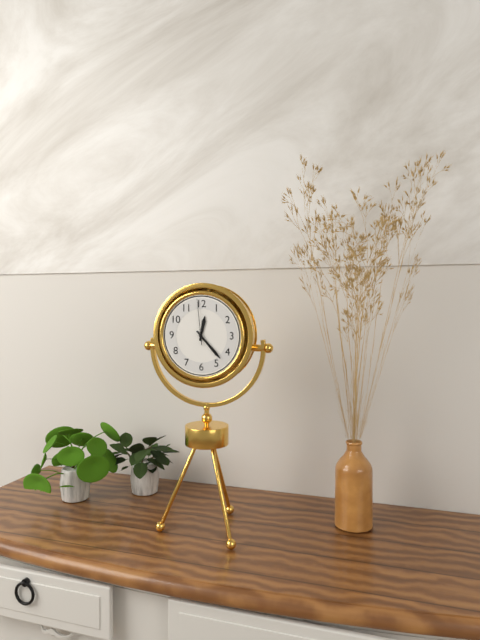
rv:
12.23
